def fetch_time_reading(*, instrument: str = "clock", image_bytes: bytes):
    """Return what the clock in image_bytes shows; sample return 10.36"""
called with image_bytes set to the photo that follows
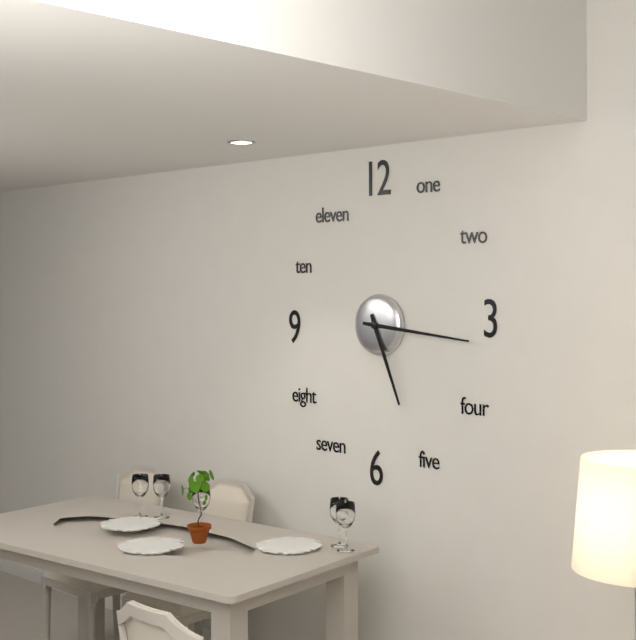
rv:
5.16
